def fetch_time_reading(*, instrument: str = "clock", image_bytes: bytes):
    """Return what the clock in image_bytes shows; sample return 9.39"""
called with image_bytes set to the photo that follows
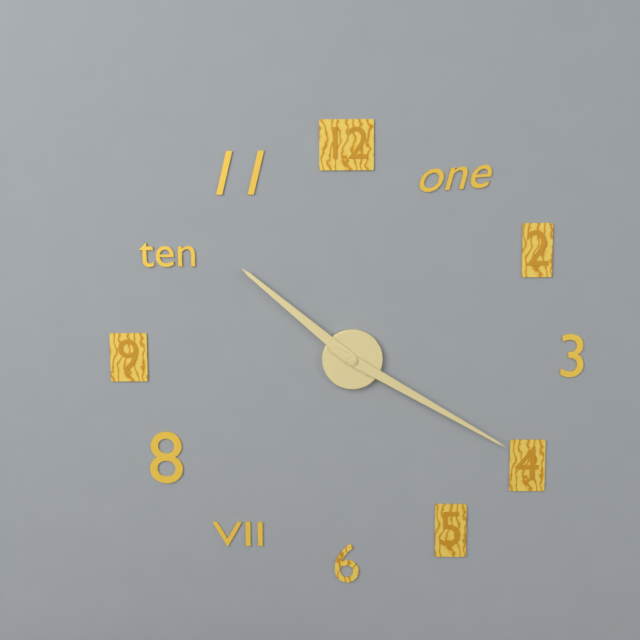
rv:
10.20
